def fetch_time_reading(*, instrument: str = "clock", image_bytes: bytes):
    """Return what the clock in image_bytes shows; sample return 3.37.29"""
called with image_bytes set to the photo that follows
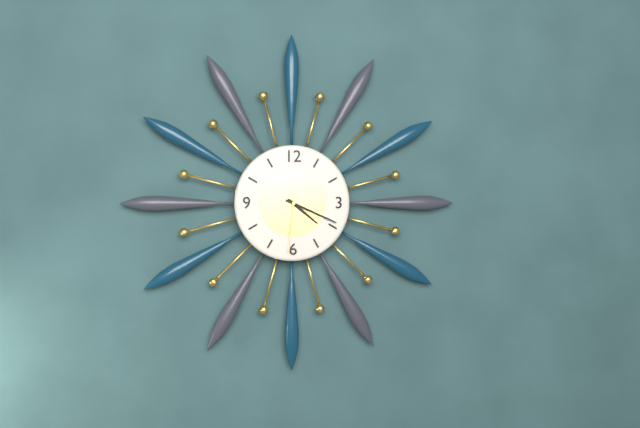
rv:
4.19.31
